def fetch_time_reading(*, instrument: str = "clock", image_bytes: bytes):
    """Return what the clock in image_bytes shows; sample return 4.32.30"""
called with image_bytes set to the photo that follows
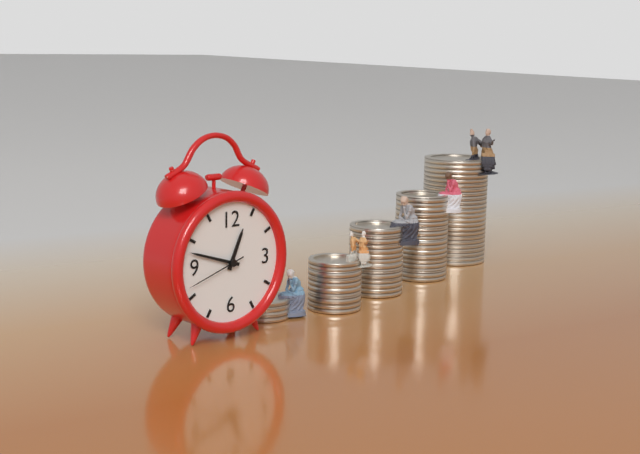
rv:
12.48.42
